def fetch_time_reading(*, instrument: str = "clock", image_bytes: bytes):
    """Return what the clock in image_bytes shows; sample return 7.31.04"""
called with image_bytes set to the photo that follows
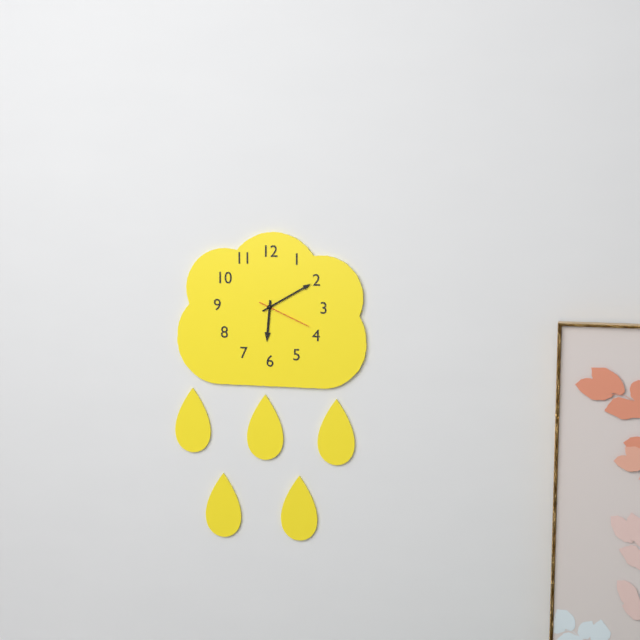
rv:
6.10.19
